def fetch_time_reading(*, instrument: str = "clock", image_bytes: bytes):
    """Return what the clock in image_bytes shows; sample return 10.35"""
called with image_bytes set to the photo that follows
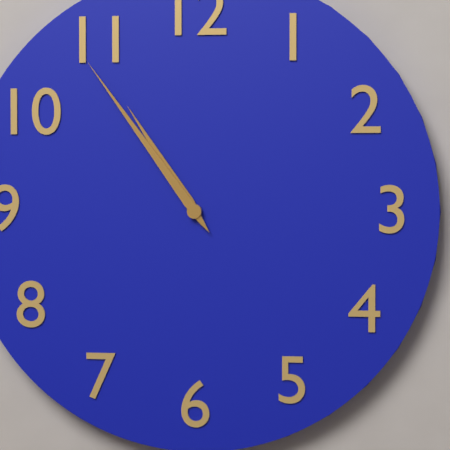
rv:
10.54
